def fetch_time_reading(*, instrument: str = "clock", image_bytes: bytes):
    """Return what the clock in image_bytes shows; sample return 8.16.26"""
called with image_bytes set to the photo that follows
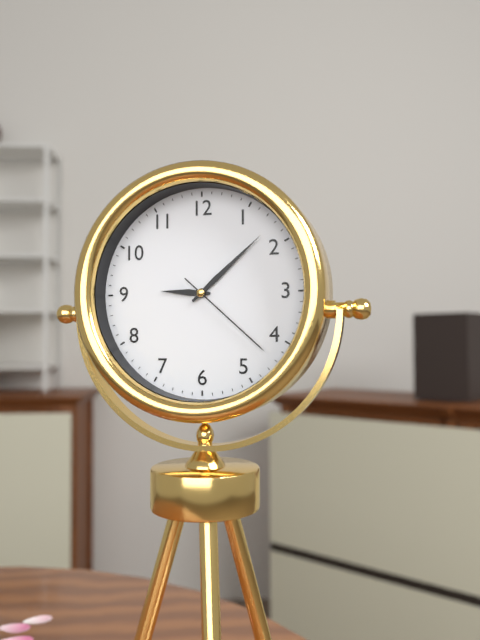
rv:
9.08.22
